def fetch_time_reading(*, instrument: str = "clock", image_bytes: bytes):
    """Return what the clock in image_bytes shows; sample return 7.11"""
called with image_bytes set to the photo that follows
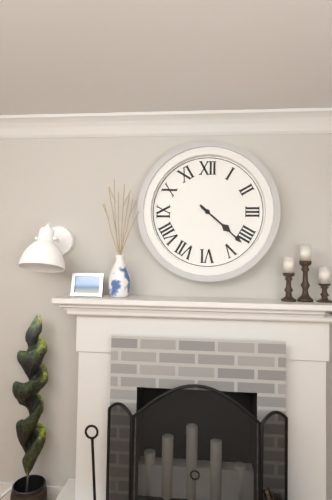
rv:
4.22
